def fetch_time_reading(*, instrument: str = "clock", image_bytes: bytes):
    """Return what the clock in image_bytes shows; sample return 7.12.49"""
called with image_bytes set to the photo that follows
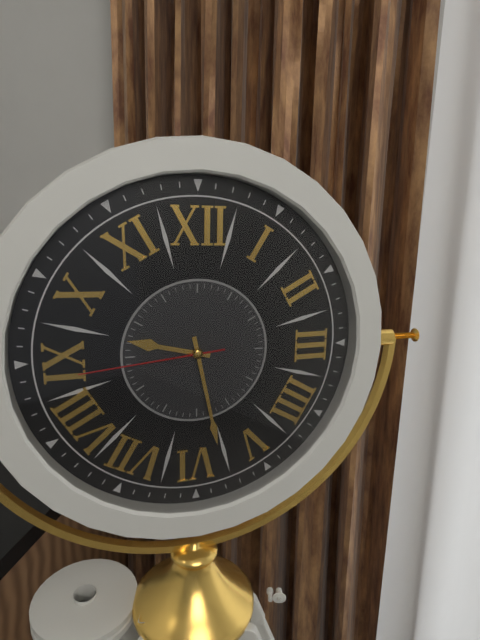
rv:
9.28.44
